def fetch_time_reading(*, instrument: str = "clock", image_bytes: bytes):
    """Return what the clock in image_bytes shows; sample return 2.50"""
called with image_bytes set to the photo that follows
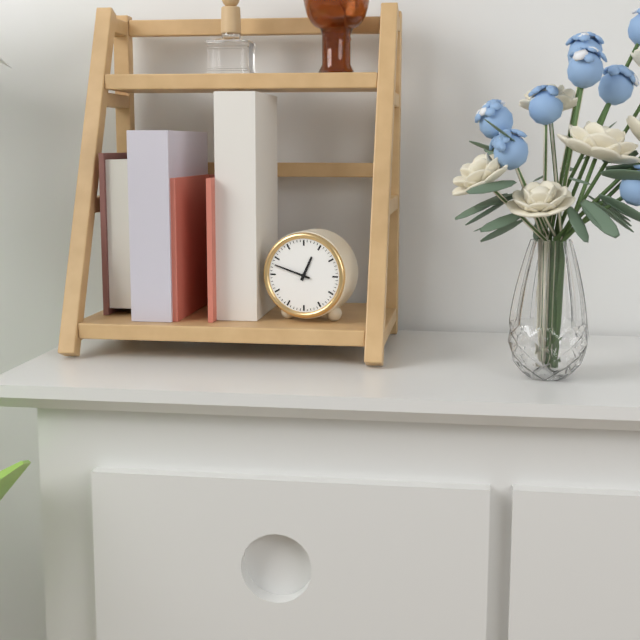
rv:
12.48
